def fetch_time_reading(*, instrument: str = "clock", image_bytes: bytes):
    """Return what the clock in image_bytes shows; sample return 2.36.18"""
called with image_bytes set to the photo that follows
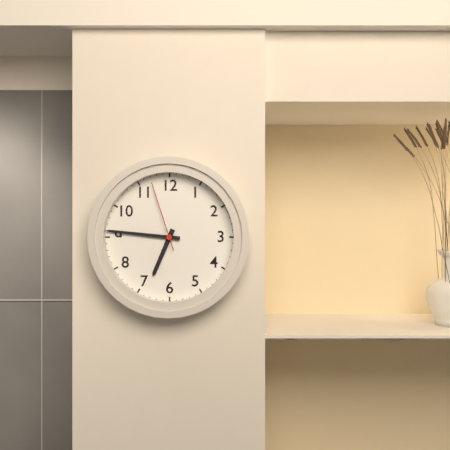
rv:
6.46.57
